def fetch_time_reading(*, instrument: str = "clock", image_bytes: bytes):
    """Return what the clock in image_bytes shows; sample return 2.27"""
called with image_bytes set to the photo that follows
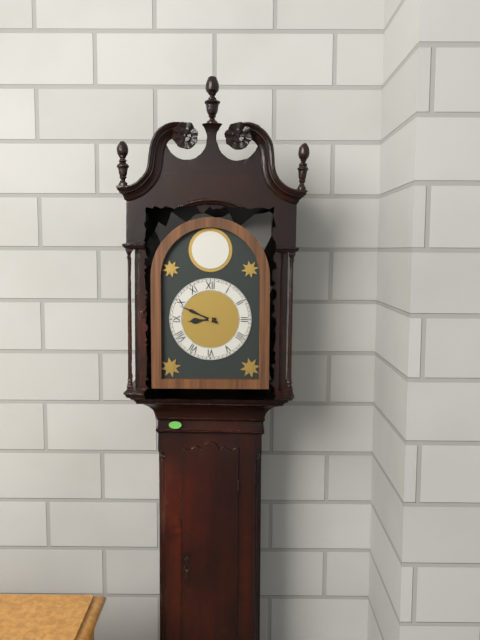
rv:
8.49
